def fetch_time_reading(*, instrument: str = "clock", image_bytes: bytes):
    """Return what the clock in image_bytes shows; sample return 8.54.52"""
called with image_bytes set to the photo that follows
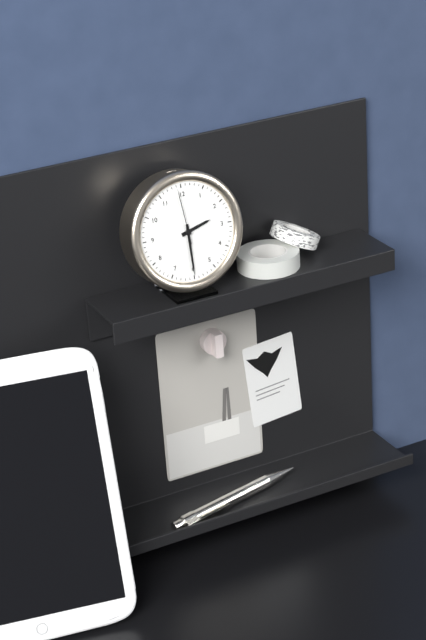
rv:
2.30.59
